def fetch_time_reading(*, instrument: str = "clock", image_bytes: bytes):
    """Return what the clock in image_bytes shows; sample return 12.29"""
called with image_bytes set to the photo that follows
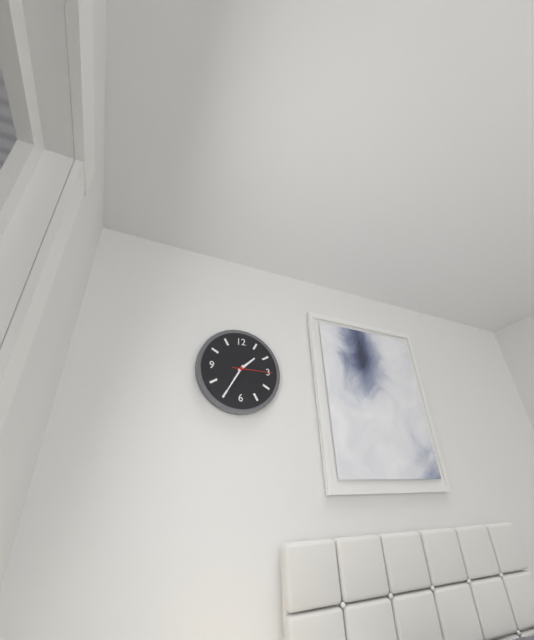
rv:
1.35
